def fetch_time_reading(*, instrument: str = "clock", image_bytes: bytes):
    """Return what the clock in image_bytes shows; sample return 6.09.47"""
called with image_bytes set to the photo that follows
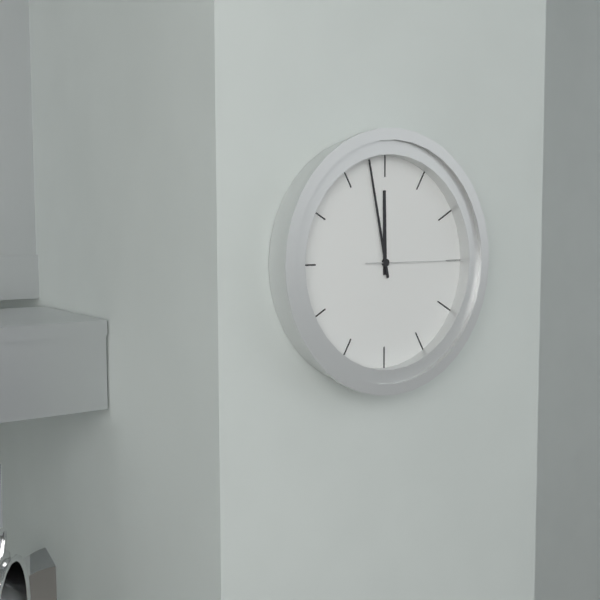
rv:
11.58.15
